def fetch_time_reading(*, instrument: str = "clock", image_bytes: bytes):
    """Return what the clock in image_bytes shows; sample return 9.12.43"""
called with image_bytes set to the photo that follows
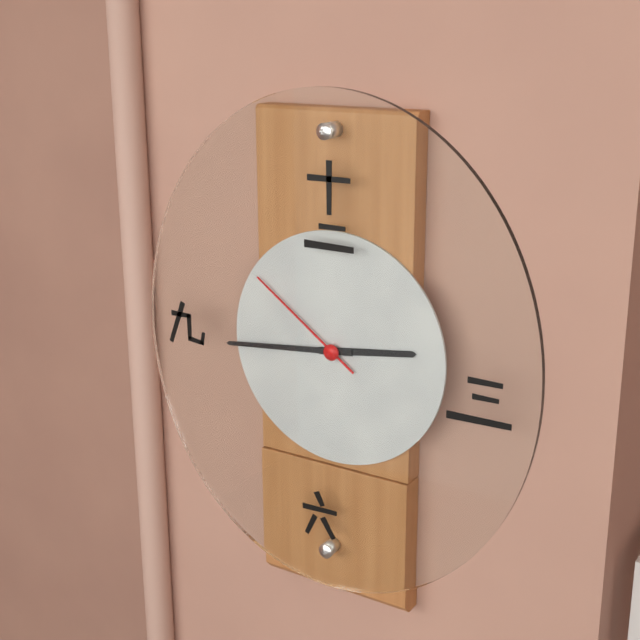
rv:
2.44.51
